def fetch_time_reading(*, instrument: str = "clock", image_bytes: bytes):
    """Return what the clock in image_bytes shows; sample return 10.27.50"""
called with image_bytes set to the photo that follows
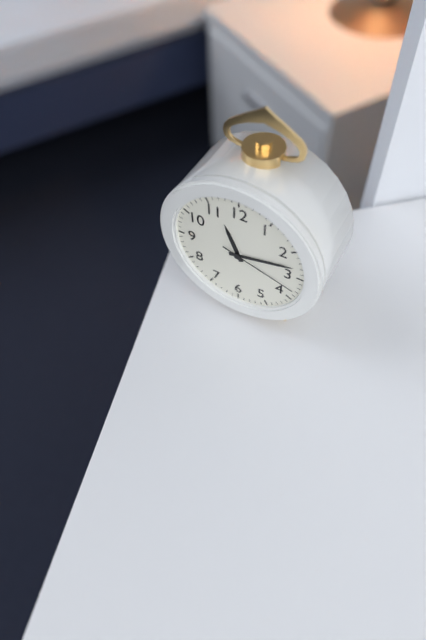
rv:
11.13.18
